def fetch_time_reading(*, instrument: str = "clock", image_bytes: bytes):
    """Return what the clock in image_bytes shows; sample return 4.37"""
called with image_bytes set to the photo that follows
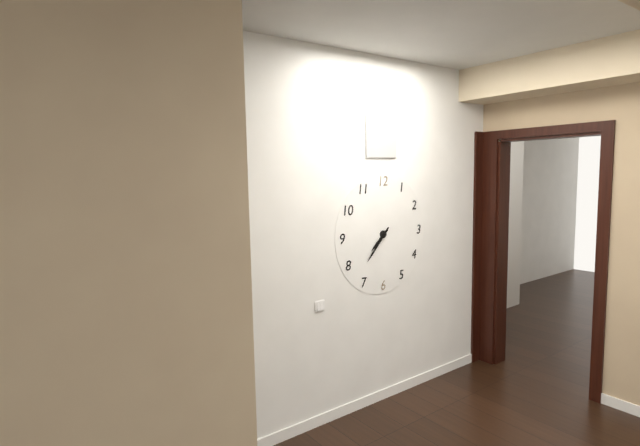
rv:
7.37
